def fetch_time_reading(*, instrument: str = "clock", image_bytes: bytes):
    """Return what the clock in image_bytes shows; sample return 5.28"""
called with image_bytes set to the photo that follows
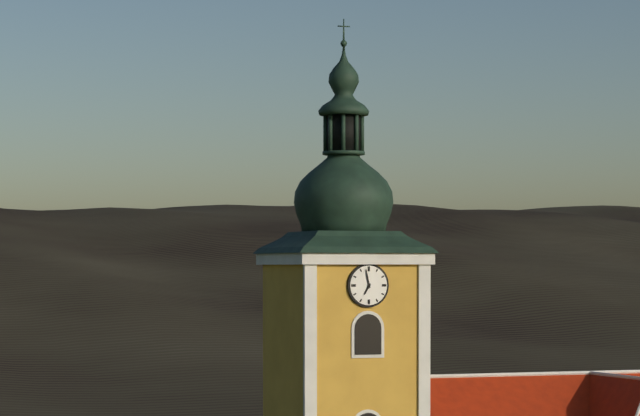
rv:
6.58
